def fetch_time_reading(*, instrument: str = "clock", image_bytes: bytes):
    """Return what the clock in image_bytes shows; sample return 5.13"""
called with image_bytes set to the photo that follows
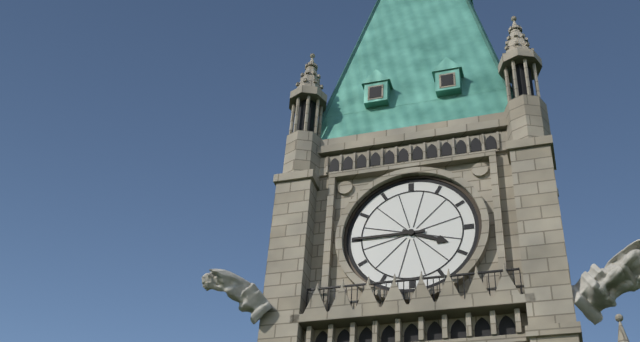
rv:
3.45
